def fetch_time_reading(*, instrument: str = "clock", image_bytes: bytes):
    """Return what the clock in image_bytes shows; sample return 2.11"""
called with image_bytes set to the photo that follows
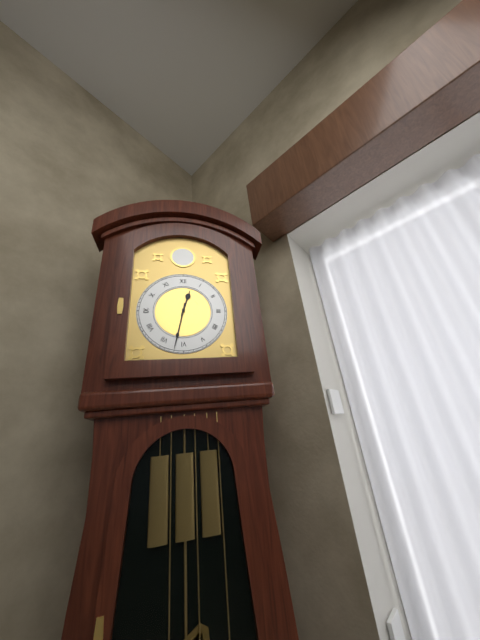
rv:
12.32
